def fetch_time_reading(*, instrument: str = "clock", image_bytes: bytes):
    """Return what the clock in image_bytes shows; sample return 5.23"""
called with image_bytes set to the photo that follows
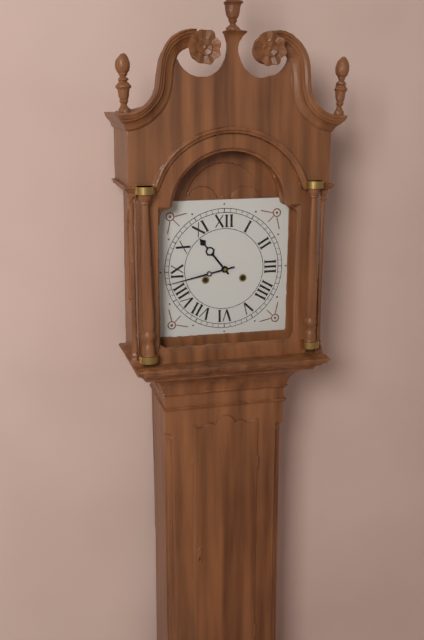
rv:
10.43
